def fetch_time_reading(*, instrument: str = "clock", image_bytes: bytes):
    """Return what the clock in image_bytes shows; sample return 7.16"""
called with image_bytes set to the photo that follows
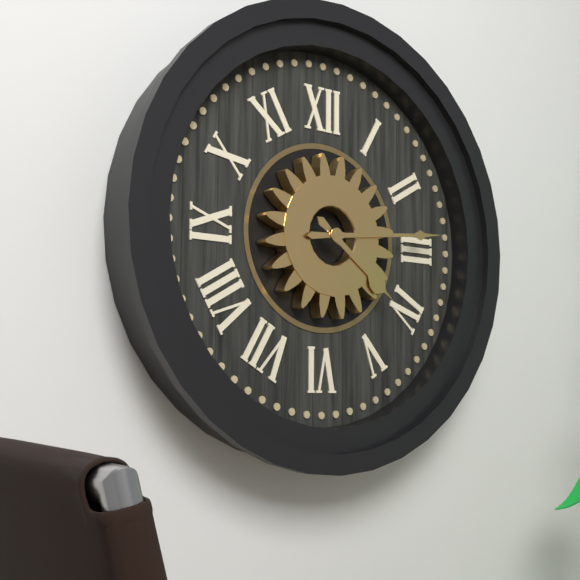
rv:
4.14
